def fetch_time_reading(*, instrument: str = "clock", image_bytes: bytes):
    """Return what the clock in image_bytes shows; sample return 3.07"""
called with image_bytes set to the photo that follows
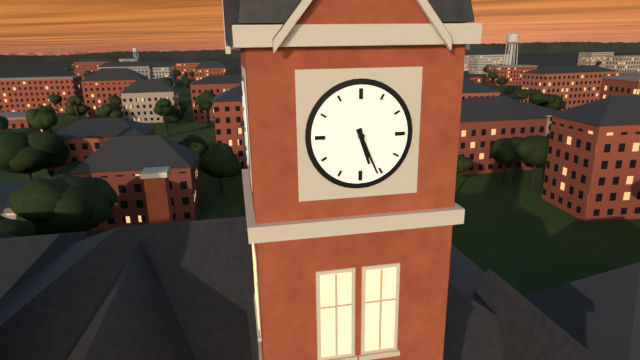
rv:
5.26
